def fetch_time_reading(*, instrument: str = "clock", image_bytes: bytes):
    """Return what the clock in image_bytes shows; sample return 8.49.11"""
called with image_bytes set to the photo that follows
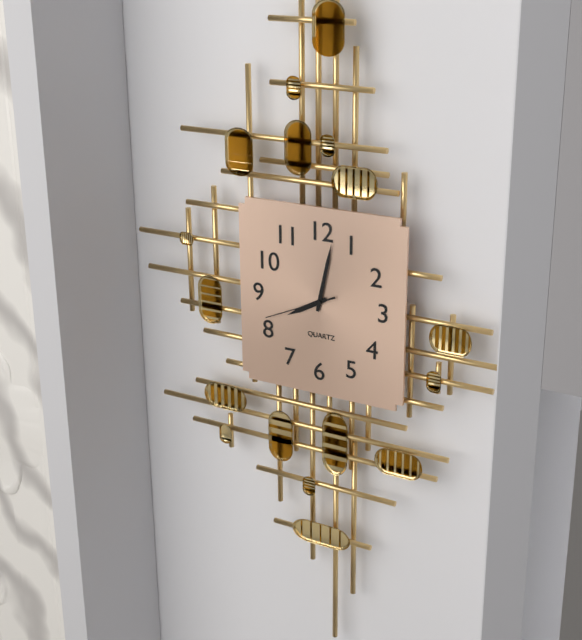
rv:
8.02.41
